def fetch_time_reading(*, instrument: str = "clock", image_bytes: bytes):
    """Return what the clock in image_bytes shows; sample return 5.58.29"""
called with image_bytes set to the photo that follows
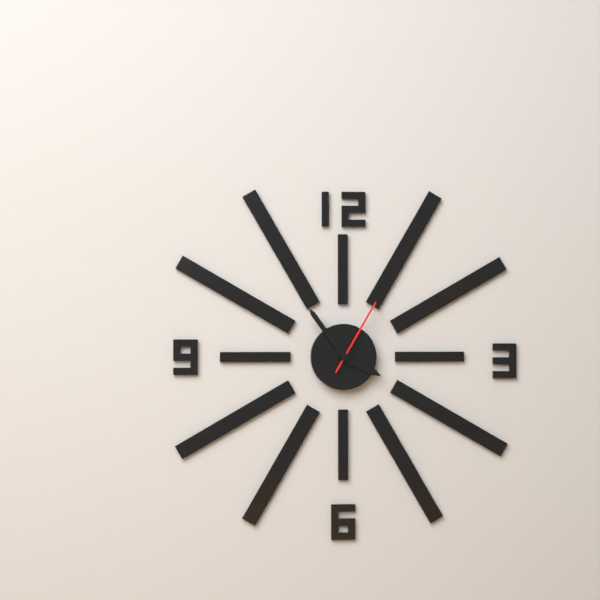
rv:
3.54.05
